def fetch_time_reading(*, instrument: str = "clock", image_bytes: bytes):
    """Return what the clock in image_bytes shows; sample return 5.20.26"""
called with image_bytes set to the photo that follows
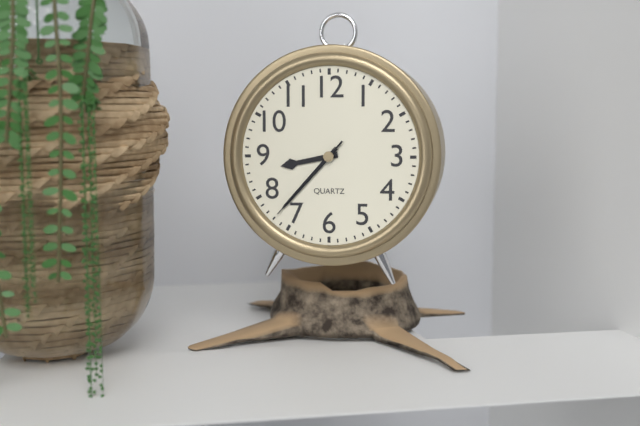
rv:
8.37.37
